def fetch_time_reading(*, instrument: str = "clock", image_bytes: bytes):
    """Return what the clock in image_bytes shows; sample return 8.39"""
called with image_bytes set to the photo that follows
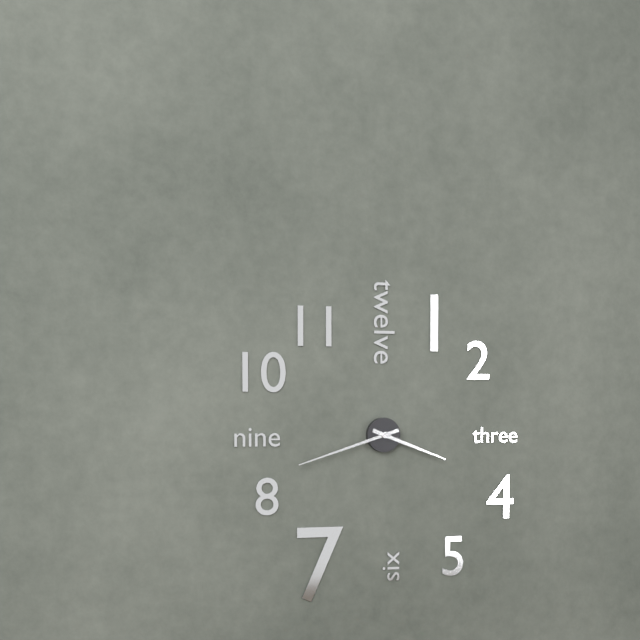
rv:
3.42
